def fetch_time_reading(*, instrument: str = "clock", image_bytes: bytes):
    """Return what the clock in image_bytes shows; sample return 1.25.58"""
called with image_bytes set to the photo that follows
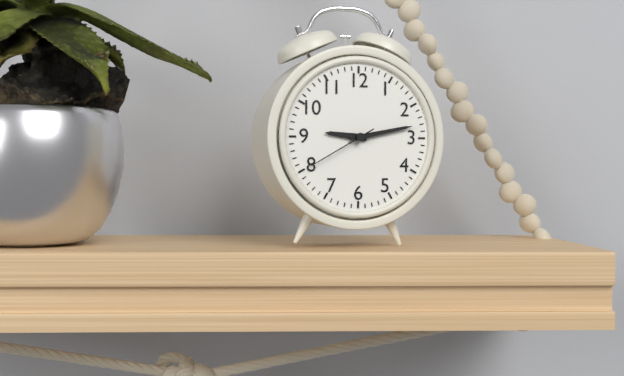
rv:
9.13.40
